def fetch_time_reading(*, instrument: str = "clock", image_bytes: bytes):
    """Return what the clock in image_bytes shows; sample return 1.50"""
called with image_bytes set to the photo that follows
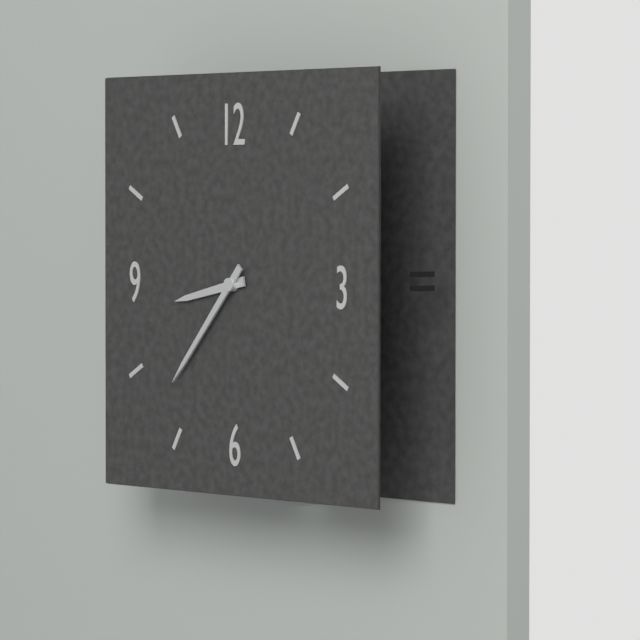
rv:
8.37
